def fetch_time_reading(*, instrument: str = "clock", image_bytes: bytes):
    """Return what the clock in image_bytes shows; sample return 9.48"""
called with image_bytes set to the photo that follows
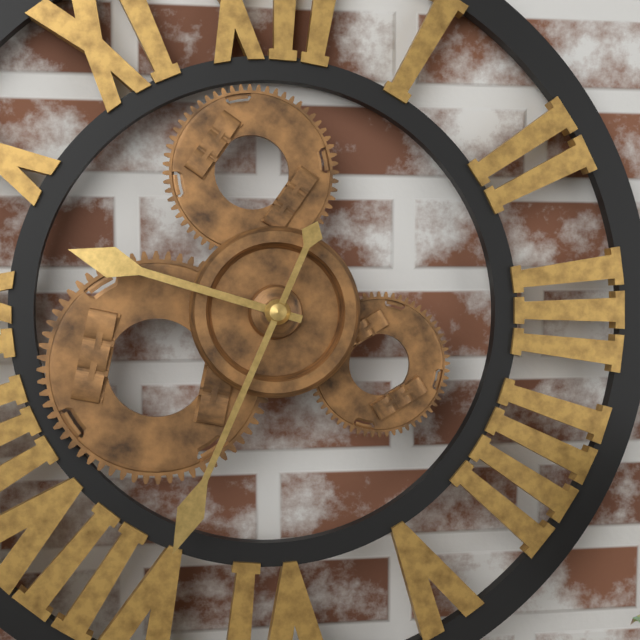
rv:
9.34
